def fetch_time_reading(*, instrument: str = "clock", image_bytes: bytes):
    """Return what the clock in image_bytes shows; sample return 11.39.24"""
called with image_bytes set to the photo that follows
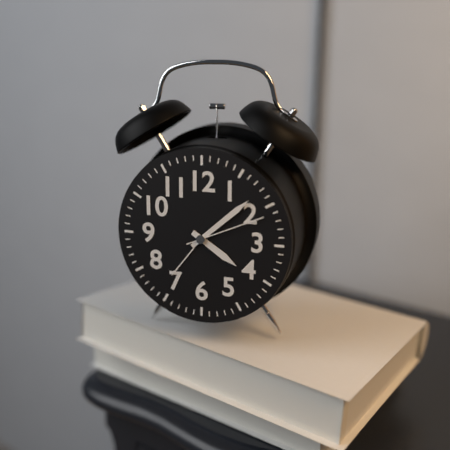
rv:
4.08.11
